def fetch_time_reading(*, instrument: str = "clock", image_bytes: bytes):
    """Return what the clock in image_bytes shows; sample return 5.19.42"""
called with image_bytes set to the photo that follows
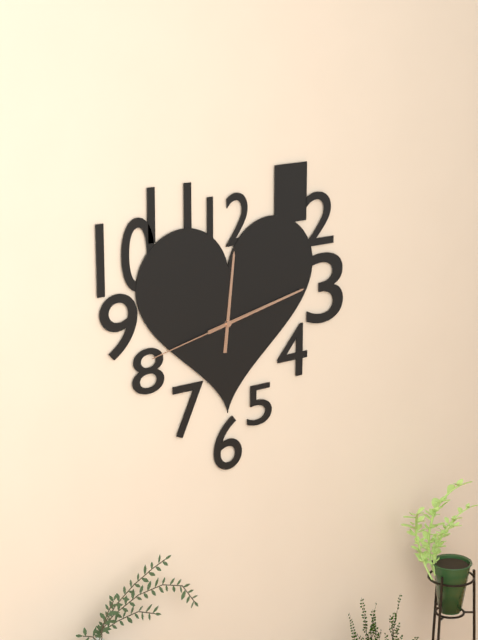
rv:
12.13.43
